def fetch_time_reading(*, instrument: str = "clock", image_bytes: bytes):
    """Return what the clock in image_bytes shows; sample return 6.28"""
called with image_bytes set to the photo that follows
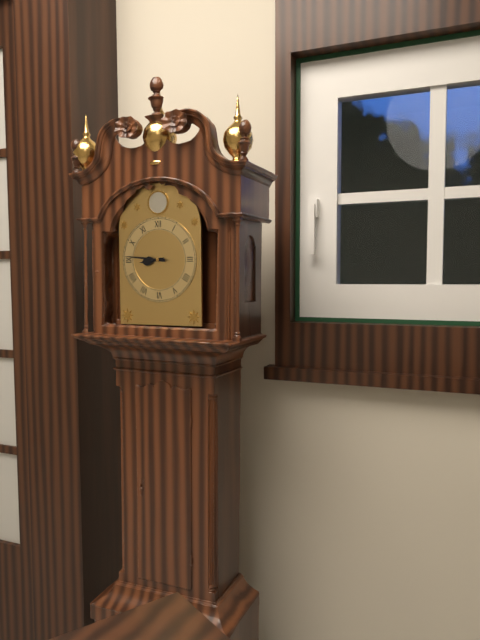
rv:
8.46
